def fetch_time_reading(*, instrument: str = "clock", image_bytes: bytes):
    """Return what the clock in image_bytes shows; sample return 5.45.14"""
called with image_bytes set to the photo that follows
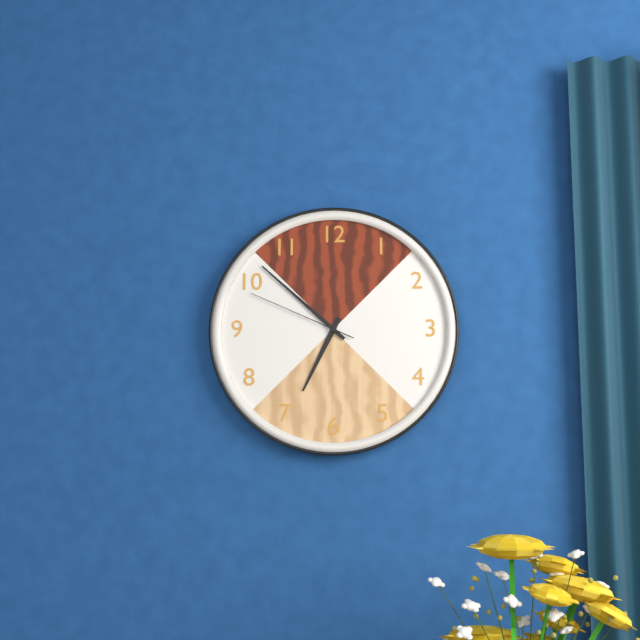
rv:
6.52.49
